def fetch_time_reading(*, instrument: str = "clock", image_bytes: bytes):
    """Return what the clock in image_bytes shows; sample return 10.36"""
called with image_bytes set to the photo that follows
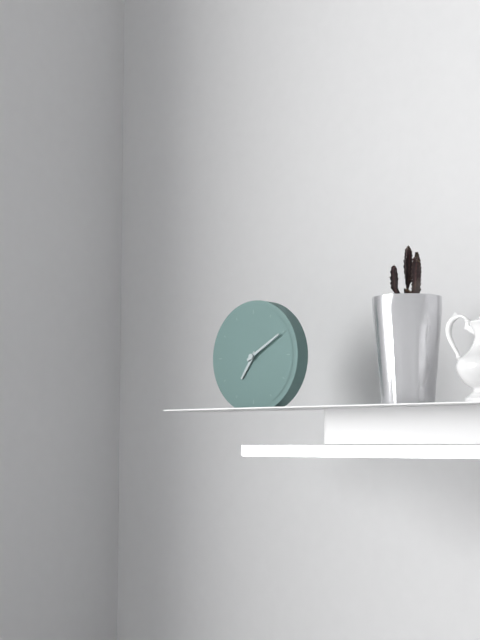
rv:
7.10
